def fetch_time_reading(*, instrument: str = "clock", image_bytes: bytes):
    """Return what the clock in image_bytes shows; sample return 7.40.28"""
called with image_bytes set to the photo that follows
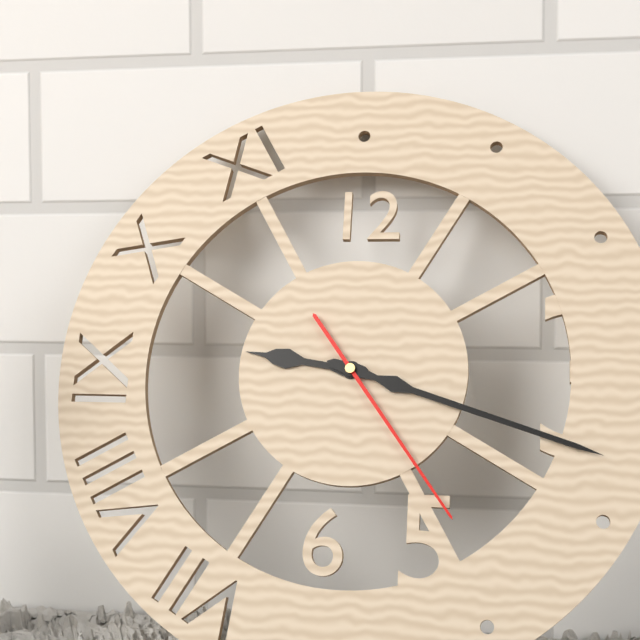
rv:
9.18.24
